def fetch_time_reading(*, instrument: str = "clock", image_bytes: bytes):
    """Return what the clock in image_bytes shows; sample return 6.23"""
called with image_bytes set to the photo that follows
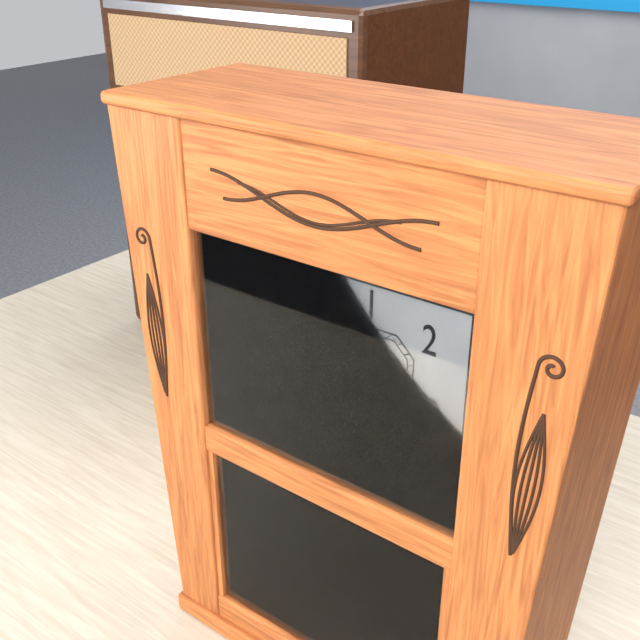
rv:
4.31
